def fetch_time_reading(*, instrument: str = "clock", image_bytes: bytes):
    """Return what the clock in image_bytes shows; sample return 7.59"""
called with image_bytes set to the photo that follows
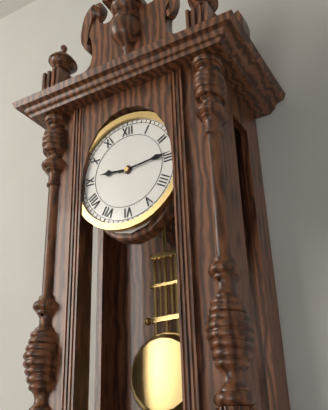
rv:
9.14
